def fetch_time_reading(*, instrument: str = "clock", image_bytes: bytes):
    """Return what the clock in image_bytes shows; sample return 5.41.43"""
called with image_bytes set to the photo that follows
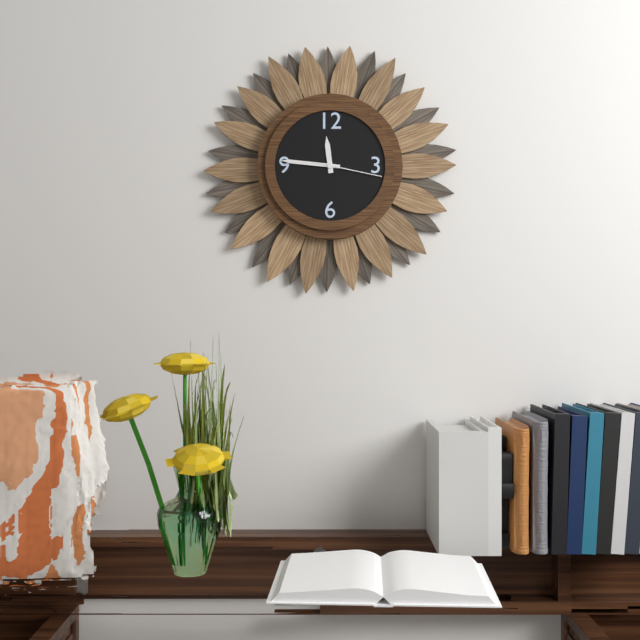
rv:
11.46.17
